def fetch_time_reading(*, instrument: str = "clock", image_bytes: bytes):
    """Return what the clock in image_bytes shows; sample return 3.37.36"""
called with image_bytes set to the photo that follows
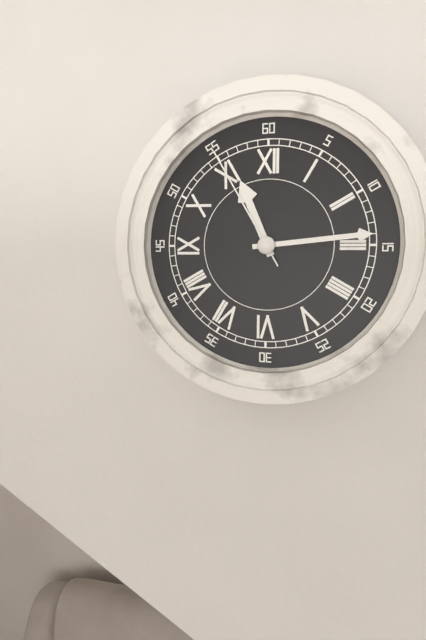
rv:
11.14.55
